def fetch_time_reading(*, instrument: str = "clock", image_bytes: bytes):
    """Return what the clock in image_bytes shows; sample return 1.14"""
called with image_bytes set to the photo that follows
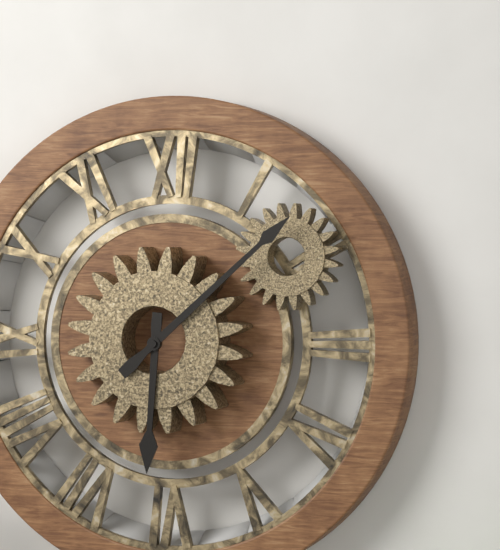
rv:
6.08
